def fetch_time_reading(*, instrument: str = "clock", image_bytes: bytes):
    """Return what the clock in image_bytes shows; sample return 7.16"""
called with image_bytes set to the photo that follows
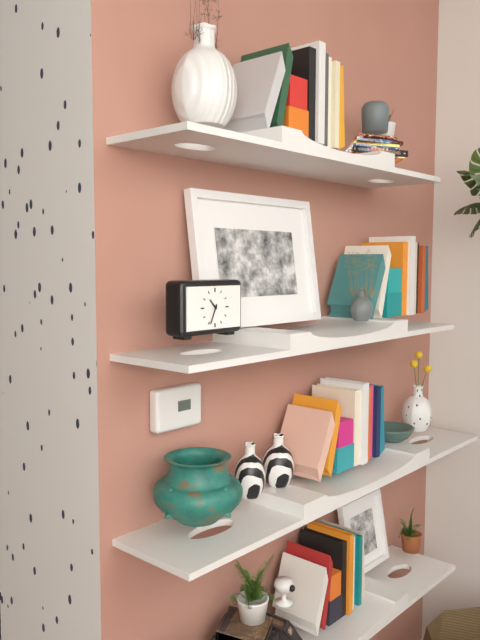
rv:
10.34
